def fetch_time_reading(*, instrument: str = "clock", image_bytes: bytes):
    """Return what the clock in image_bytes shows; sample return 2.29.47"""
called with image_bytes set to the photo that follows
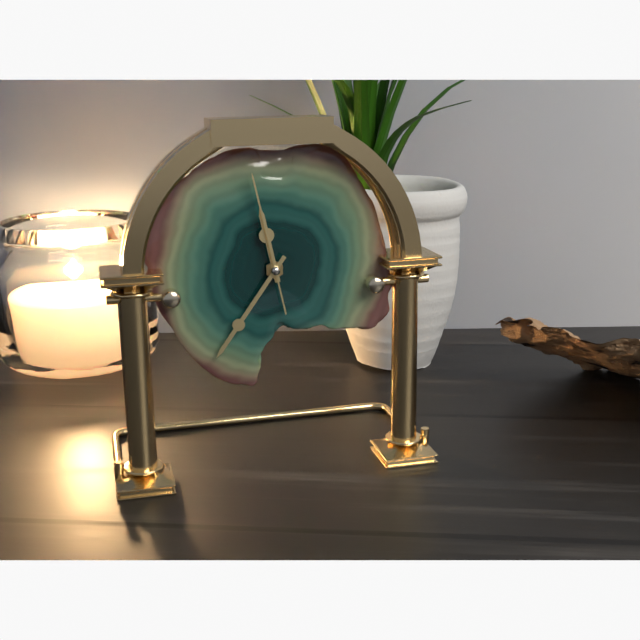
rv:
11.36.58
